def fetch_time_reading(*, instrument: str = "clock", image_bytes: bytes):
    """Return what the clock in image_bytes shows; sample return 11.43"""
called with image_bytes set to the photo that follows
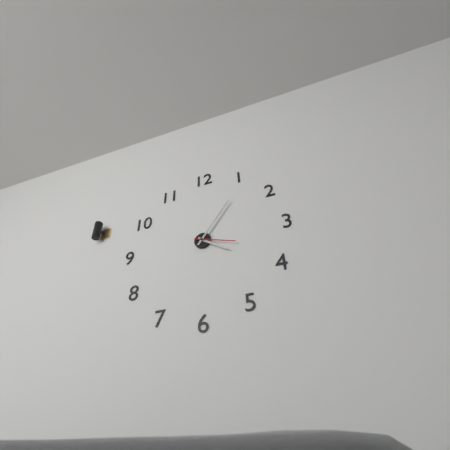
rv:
4.06
